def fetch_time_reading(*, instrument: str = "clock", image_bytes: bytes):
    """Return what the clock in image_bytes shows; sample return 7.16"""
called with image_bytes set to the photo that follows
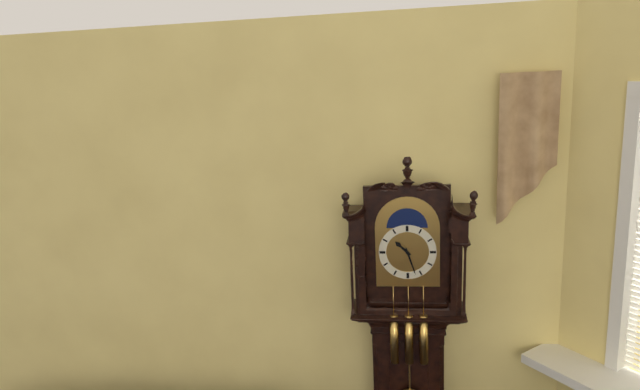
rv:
10.27
